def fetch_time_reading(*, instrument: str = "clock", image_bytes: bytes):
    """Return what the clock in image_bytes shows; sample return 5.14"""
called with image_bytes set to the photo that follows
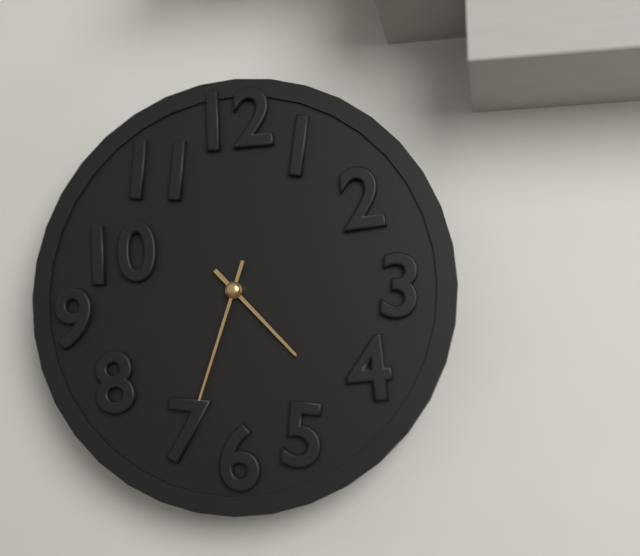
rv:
4.33
